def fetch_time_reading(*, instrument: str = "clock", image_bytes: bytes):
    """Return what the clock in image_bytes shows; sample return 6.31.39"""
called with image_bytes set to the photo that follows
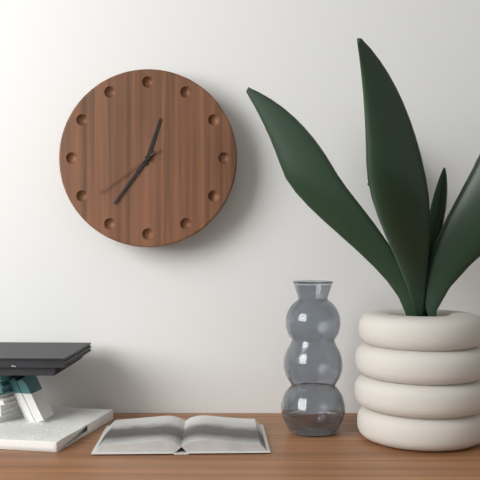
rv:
12.36.39
